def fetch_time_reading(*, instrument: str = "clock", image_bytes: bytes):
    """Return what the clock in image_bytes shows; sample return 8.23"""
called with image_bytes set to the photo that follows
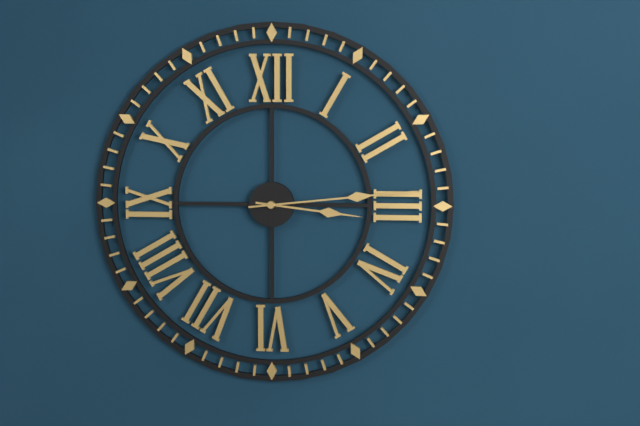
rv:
3.14
